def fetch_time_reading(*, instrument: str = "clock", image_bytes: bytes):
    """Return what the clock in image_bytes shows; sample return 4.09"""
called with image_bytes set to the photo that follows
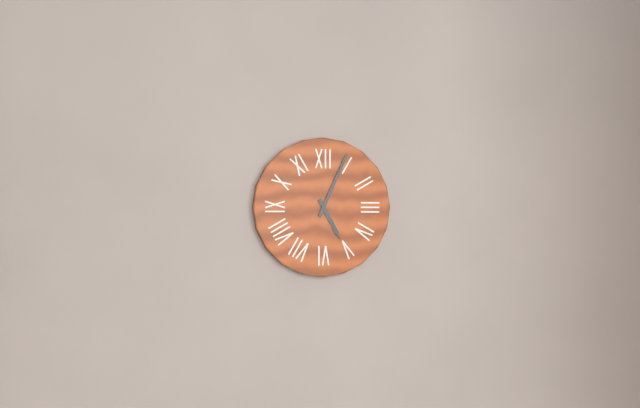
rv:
5.04
